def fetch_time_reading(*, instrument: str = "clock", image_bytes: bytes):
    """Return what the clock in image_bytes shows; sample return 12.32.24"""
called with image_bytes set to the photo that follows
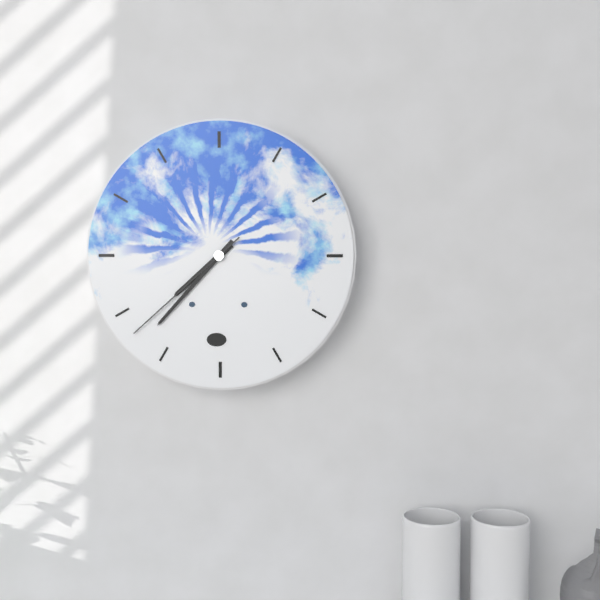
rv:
7.37.38
